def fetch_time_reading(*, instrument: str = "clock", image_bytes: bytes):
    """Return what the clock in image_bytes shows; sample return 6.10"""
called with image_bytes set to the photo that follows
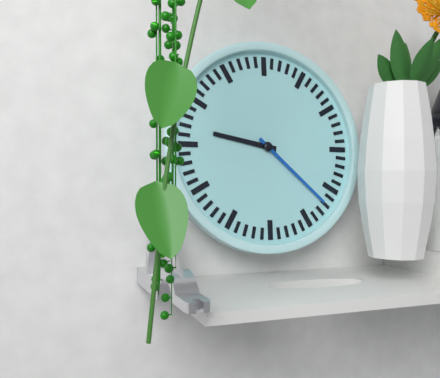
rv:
9.22
